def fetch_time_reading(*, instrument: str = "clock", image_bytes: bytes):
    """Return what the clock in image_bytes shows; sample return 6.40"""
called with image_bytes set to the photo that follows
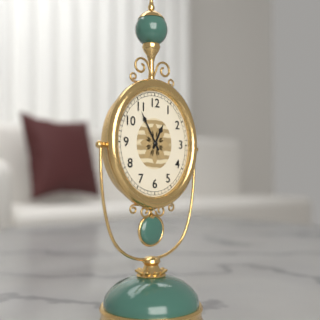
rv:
12.55
